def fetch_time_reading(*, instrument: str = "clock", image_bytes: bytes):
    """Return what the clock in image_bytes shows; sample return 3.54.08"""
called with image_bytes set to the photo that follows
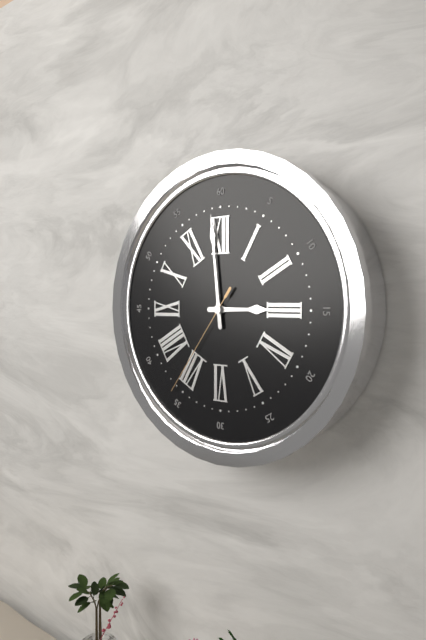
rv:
2.59.36
